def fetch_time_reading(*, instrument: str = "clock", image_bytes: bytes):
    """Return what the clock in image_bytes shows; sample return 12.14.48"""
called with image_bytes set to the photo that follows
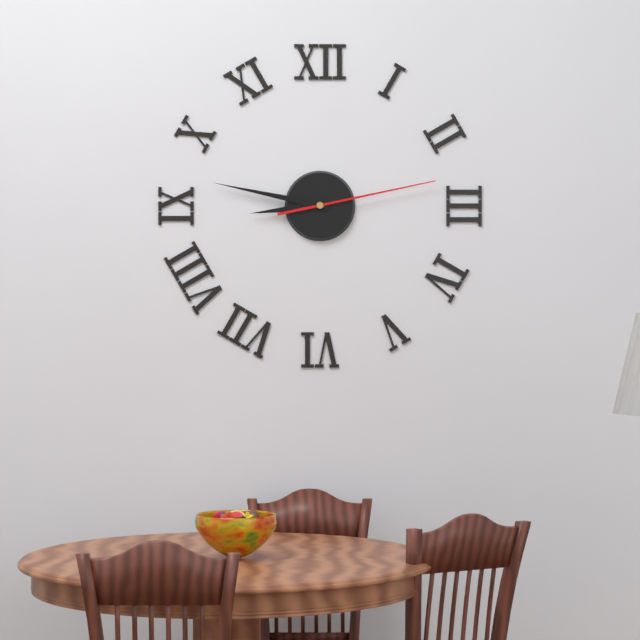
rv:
8.47.13
